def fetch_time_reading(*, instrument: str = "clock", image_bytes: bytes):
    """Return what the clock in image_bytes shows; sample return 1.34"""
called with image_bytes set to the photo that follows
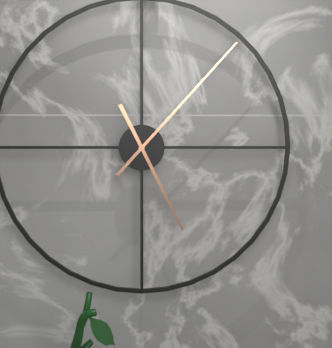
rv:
5.07
